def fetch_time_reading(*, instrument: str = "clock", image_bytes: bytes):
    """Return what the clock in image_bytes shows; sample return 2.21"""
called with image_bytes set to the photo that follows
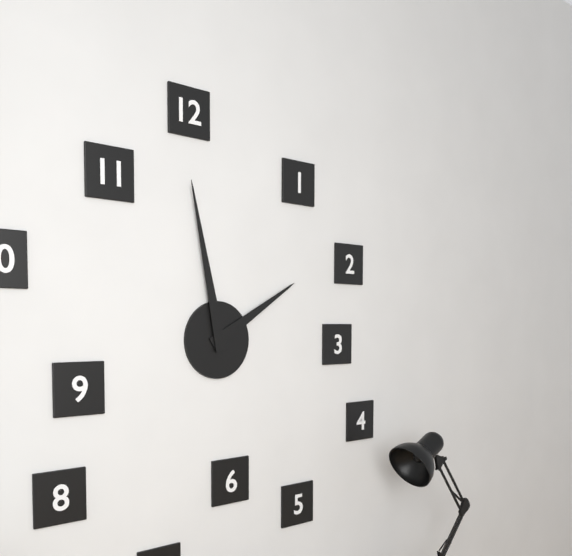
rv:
1.58
